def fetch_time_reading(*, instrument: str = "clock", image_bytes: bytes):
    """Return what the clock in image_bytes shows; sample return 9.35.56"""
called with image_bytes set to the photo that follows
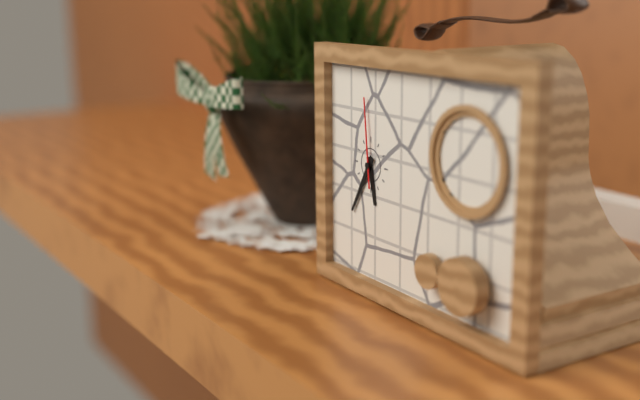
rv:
5.35.59
